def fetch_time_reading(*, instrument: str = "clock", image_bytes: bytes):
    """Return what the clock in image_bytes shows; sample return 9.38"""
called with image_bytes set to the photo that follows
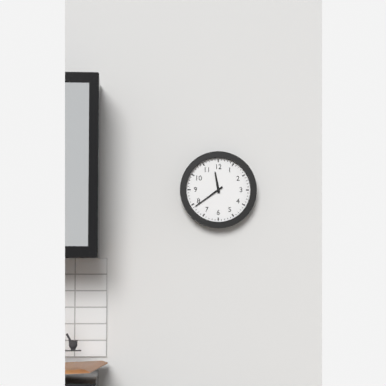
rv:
11.39
